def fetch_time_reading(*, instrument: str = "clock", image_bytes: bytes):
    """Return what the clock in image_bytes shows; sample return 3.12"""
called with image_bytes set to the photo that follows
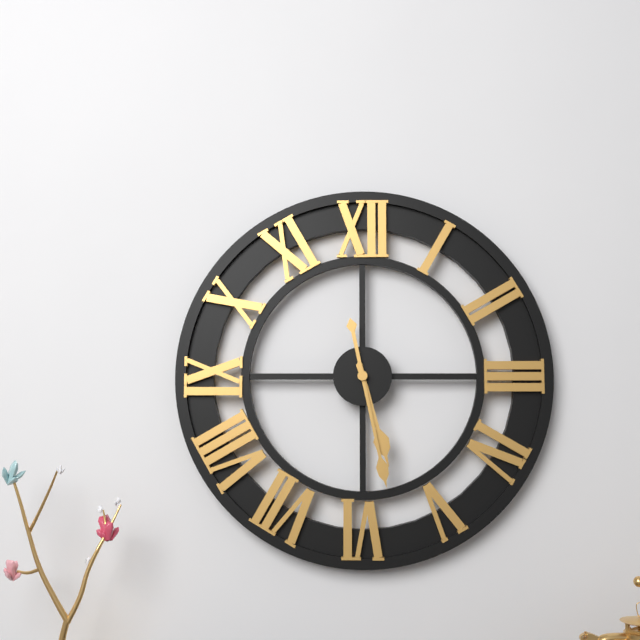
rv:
5.28
